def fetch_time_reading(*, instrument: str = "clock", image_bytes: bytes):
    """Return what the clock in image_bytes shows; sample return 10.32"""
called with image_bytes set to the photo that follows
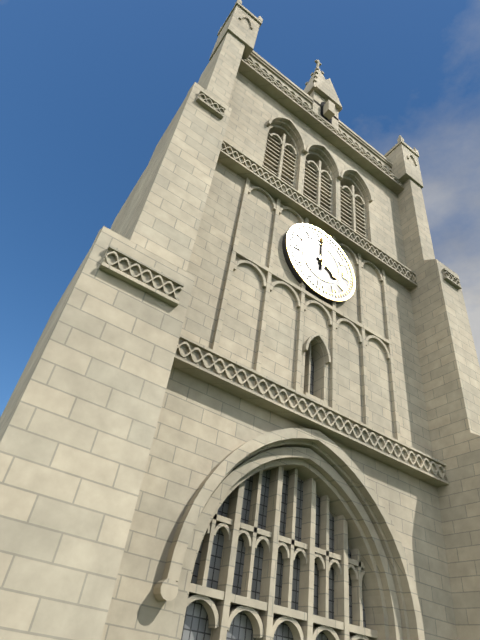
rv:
4.00
